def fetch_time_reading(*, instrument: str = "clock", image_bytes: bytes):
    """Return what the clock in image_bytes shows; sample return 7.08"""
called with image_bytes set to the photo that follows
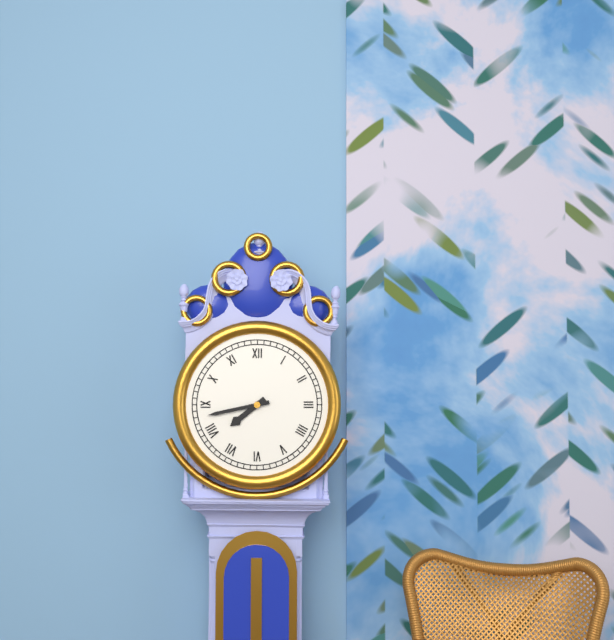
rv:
7.43
